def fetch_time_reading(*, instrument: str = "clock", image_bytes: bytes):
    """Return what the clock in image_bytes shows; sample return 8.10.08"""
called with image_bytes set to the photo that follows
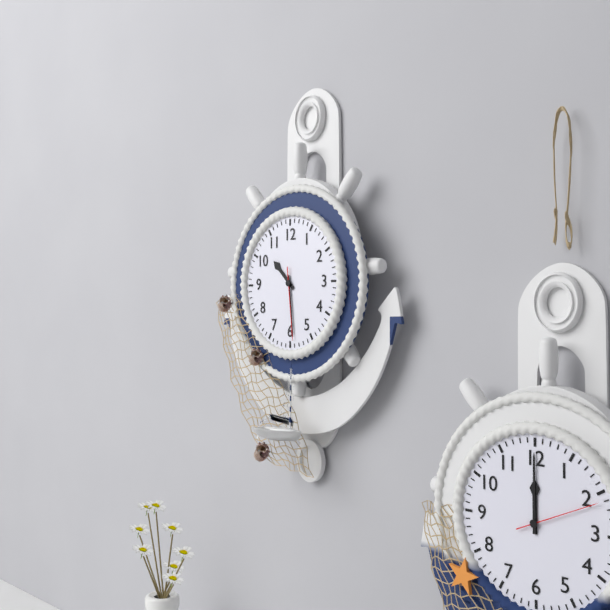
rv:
10.29.29
